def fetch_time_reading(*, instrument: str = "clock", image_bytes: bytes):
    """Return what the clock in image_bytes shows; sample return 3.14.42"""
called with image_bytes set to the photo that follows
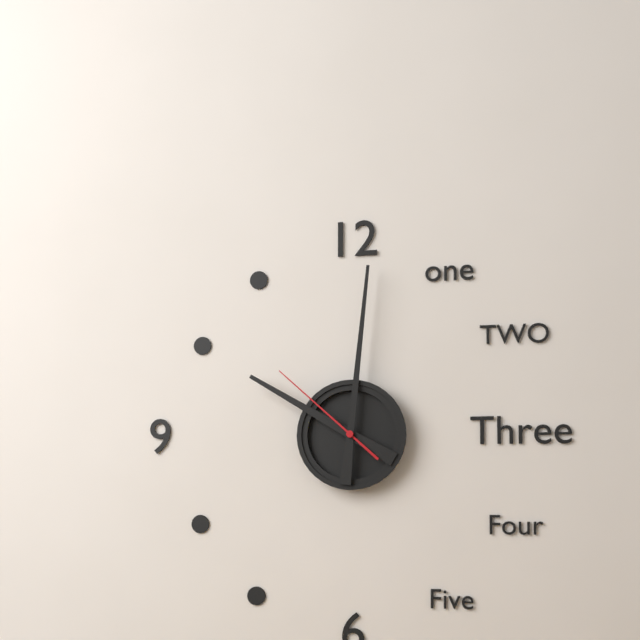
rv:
10.01.52
